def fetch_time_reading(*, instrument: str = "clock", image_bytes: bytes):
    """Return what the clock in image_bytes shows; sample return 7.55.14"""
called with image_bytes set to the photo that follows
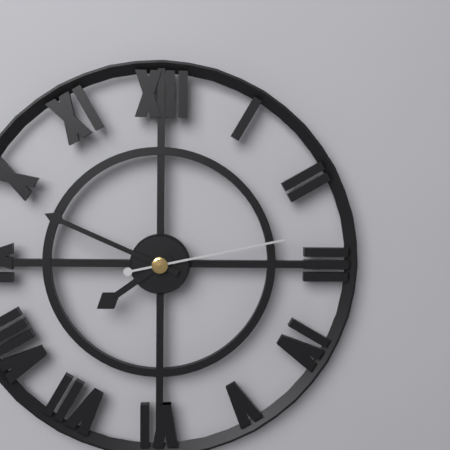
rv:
7.49.13
